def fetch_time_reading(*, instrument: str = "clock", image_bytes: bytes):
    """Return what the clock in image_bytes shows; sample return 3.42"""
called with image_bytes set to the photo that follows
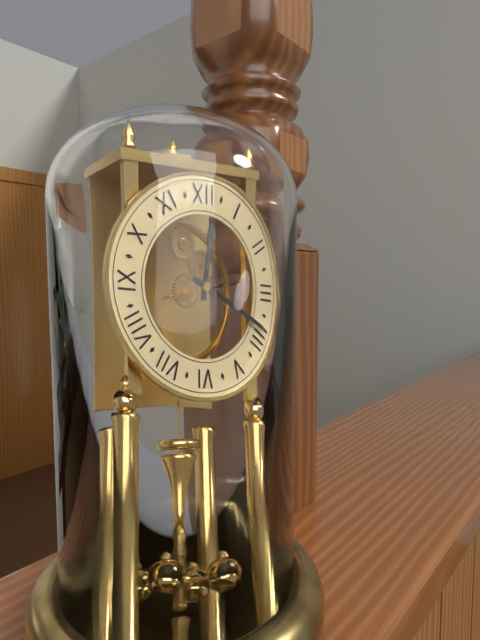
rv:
12.19
